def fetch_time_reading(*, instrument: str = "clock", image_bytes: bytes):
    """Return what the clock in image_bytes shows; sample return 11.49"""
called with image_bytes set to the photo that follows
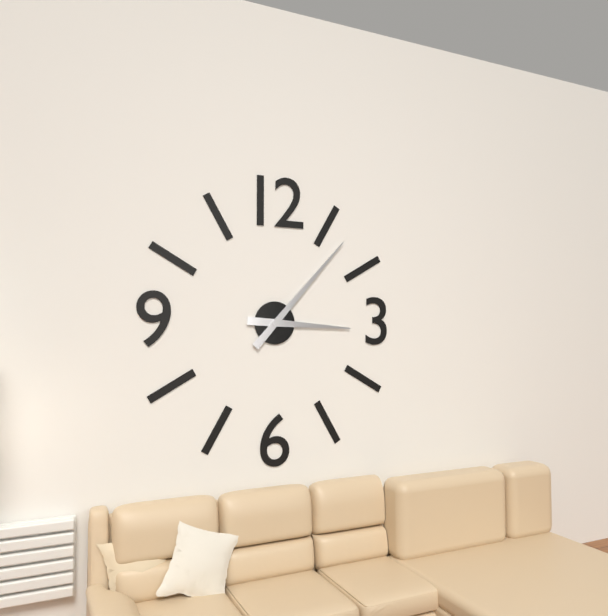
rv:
3.07
